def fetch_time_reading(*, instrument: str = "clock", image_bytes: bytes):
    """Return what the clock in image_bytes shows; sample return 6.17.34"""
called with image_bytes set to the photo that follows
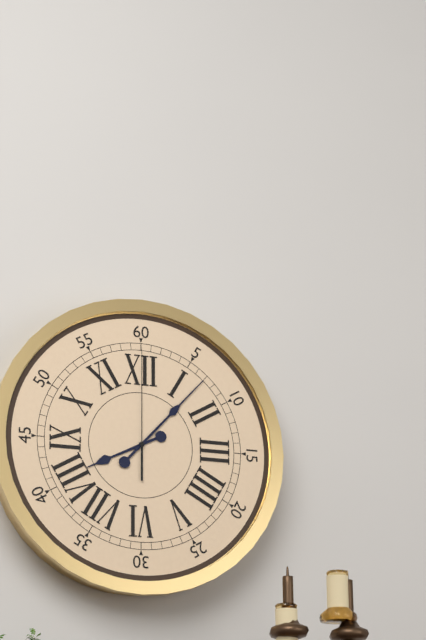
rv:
8.07.00
